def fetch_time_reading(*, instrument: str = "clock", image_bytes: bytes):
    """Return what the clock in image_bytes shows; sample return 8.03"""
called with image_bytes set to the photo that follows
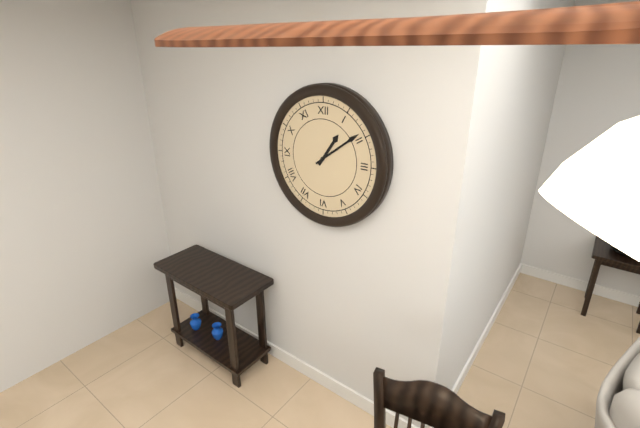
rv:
1.09
